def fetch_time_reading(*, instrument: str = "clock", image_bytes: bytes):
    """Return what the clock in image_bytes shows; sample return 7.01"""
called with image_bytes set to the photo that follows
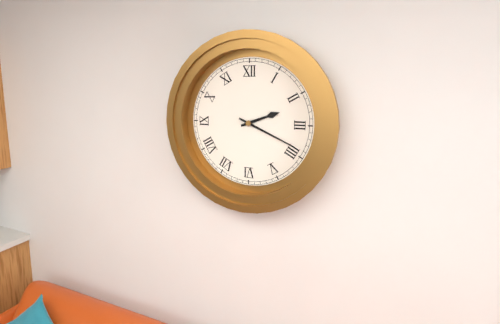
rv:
2.19
